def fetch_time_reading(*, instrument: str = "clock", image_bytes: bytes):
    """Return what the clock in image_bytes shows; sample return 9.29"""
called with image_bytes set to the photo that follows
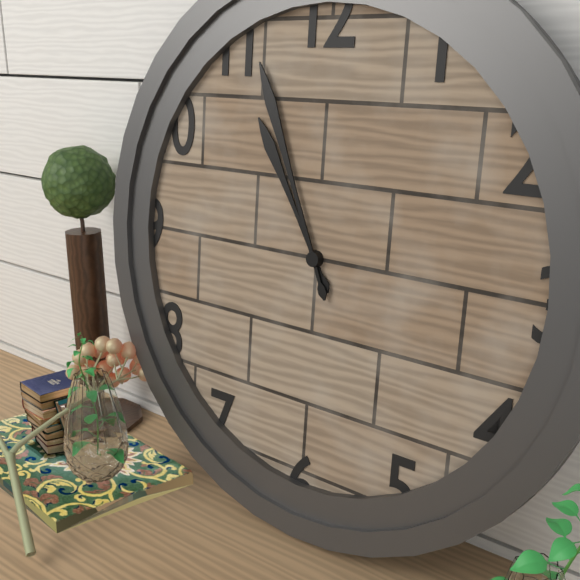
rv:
10.56
